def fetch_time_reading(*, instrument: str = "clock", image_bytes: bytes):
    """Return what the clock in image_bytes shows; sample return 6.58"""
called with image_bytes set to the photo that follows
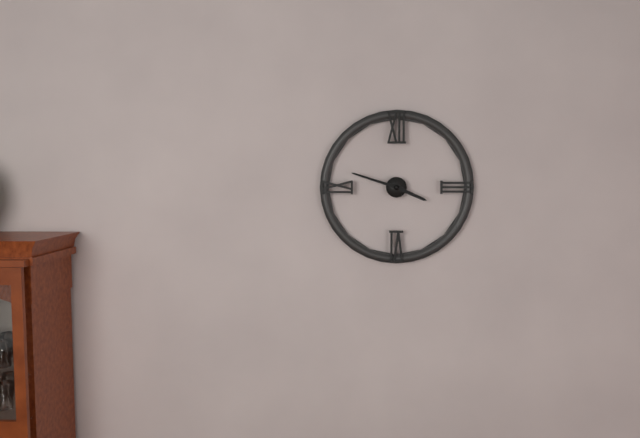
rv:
3.48
